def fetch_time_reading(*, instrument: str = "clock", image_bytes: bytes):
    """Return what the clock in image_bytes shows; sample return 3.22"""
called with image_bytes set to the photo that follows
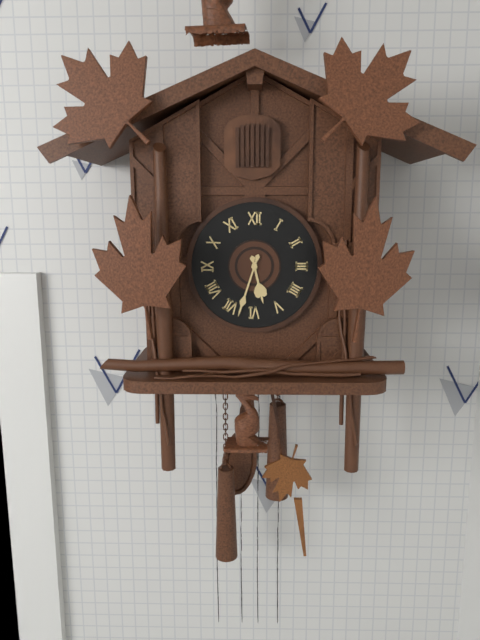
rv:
5.33
